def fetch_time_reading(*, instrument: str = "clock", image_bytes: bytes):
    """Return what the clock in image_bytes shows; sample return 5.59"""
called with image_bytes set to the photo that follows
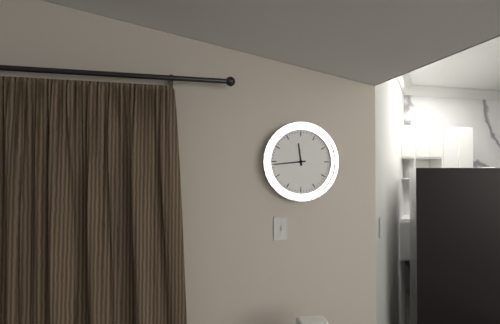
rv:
11.44
